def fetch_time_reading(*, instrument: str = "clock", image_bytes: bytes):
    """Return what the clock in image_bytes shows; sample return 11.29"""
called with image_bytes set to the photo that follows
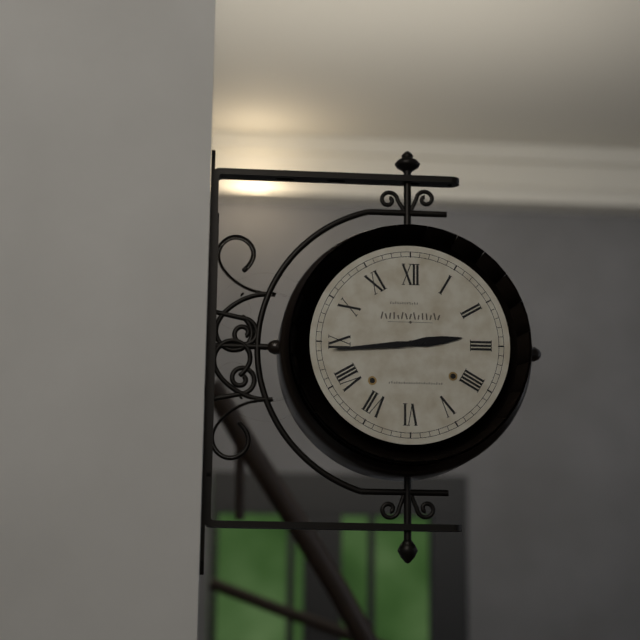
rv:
2.44
